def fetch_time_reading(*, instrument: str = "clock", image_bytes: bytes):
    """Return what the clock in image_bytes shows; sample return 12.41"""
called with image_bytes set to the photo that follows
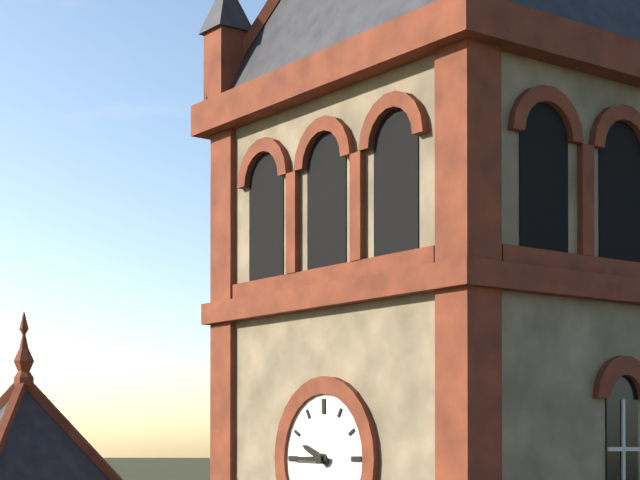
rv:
9.45
